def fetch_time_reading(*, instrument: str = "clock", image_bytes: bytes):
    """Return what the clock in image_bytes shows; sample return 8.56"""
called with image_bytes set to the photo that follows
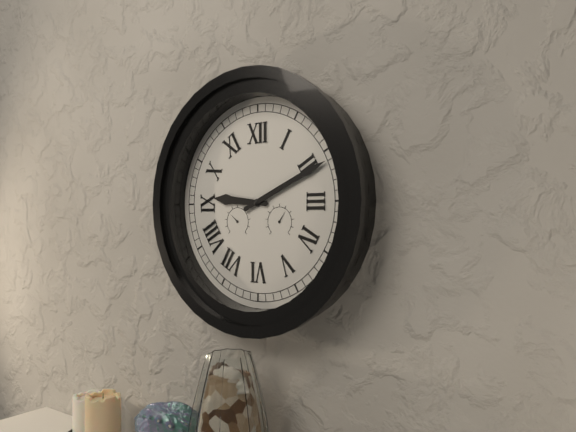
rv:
9.11
